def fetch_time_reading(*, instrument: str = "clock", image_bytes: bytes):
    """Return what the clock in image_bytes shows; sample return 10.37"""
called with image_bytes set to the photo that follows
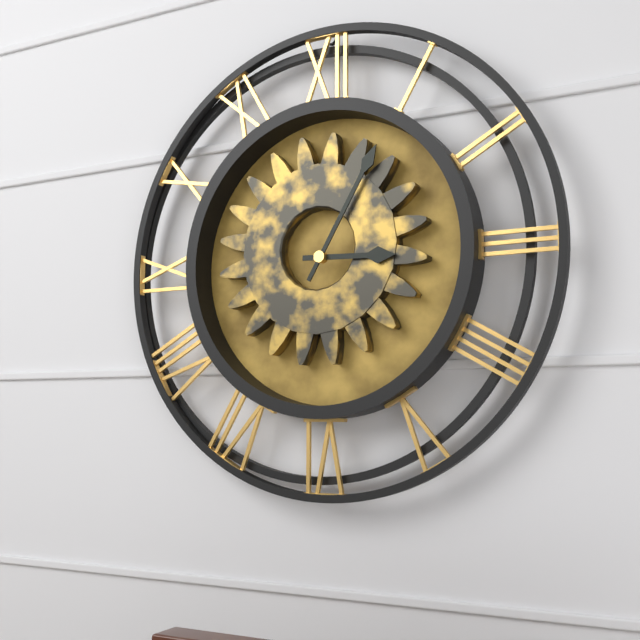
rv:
3.05
